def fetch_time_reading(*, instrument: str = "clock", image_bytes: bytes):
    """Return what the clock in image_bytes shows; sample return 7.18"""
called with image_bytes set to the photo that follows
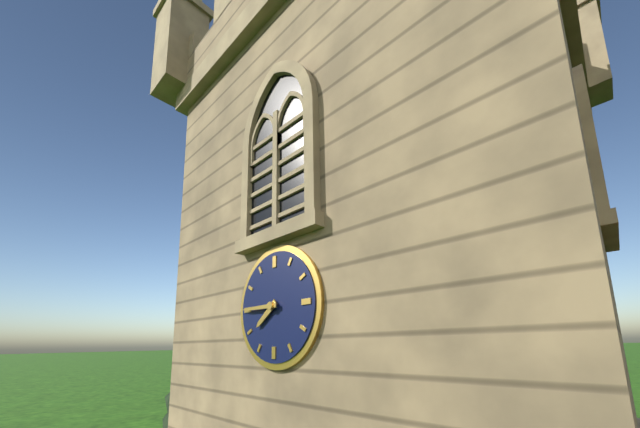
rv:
7.45
